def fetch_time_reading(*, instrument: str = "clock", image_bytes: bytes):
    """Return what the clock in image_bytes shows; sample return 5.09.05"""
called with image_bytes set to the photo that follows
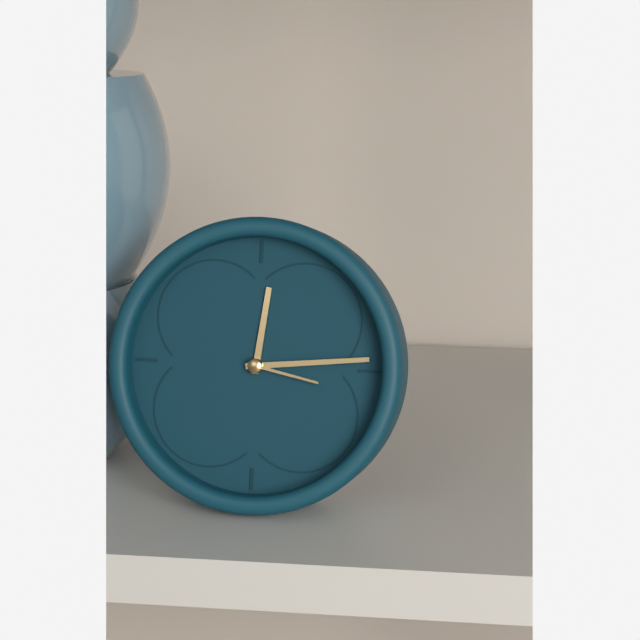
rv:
12.14.17
